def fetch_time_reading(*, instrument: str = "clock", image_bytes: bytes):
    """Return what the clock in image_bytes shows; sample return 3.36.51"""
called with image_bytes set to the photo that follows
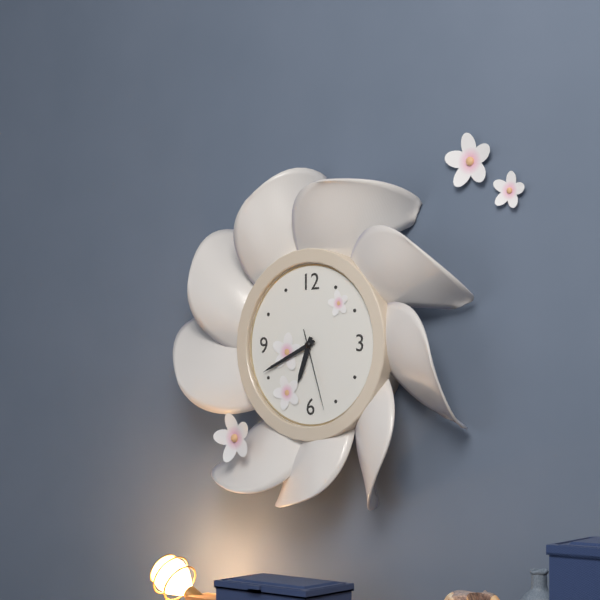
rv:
6.41.27
